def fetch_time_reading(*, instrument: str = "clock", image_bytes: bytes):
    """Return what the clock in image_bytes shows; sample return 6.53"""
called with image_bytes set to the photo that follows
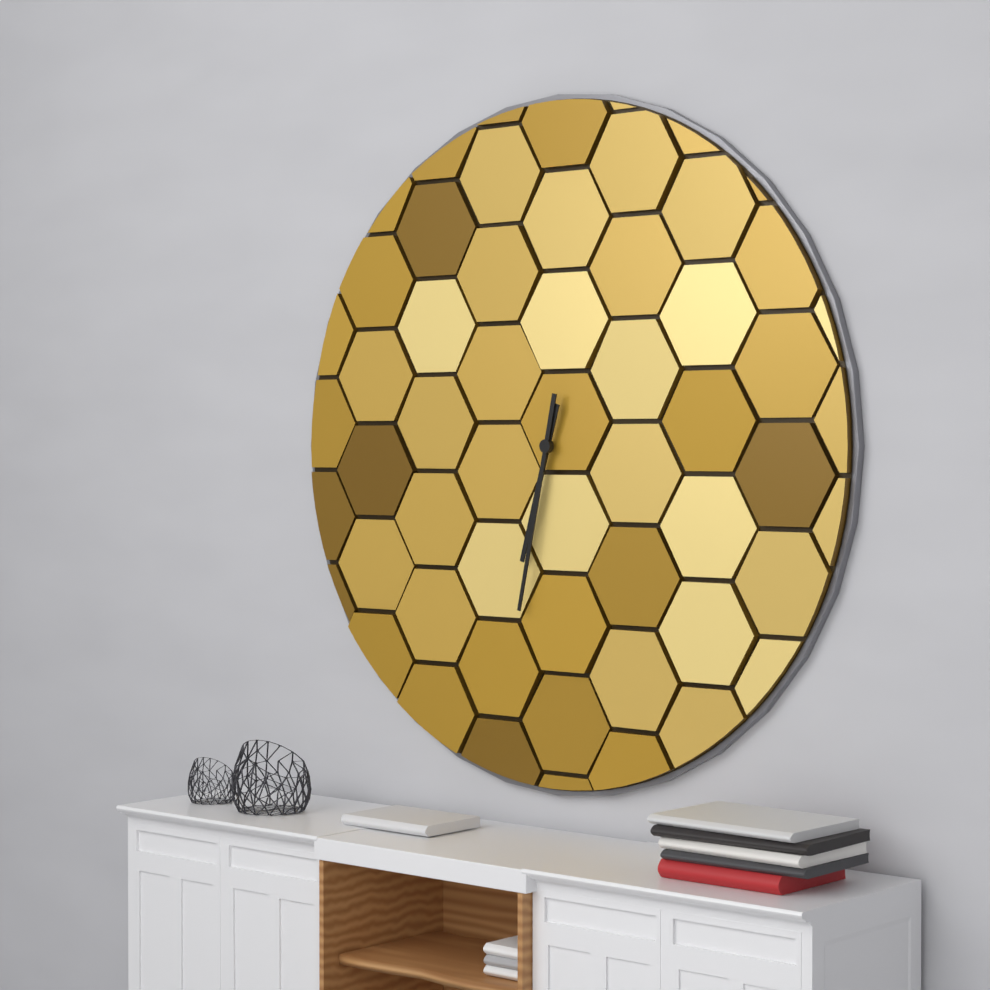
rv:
6.32
